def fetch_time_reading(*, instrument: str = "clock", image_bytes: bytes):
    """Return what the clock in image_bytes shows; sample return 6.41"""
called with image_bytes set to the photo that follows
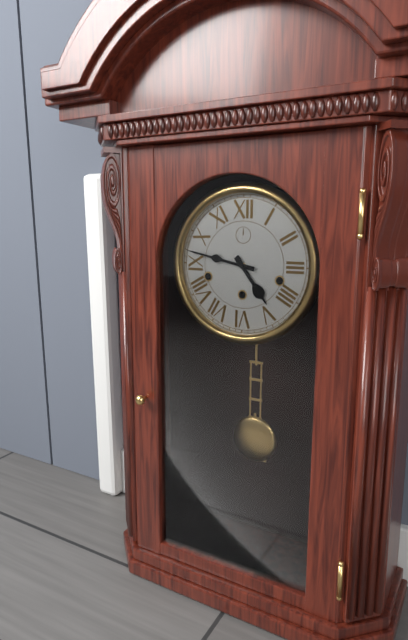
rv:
4.47
